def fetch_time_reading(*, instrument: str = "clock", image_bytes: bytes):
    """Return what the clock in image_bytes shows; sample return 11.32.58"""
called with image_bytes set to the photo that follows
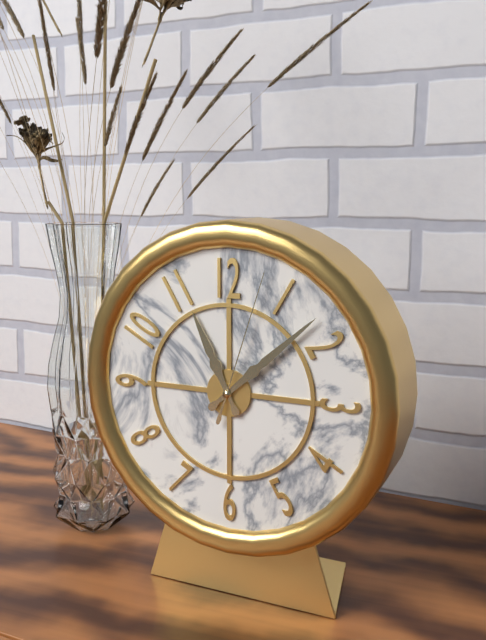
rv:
11.08.03
